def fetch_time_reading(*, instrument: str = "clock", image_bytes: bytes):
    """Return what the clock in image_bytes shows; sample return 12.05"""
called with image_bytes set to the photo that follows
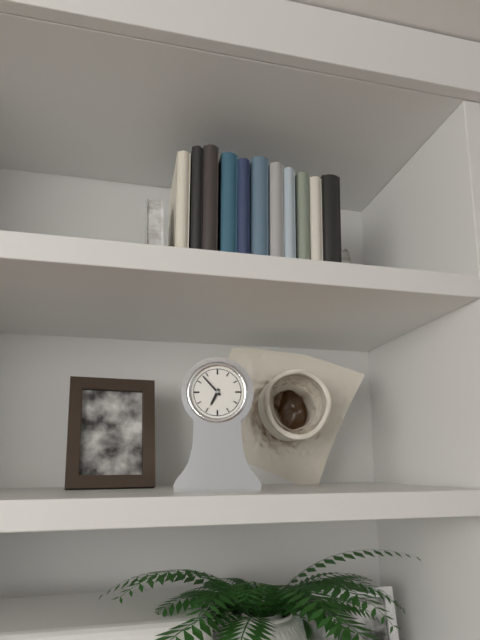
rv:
6.53
